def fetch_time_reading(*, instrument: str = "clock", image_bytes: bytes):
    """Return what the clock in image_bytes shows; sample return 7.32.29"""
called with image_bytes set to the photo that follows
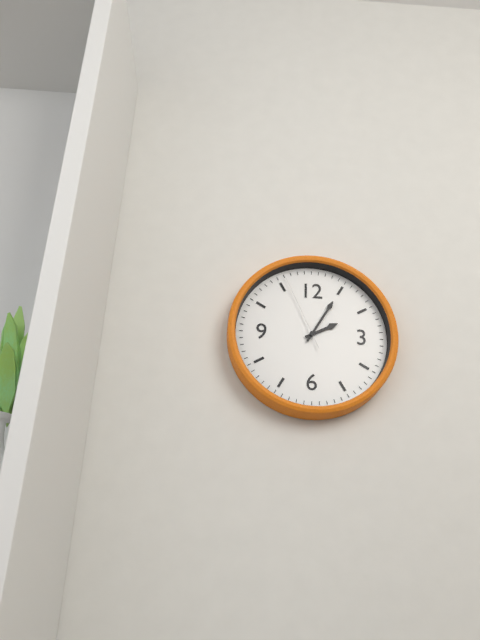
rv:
2.05.56
